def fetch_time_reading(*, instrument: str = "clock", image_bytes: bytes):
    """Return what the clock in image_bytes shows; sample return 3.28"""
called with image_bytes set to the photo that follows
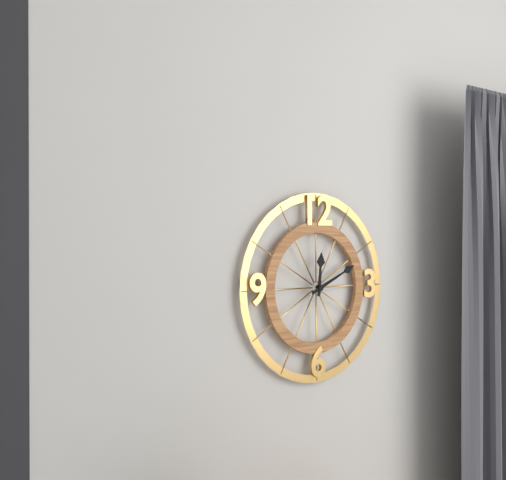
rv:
12.11
